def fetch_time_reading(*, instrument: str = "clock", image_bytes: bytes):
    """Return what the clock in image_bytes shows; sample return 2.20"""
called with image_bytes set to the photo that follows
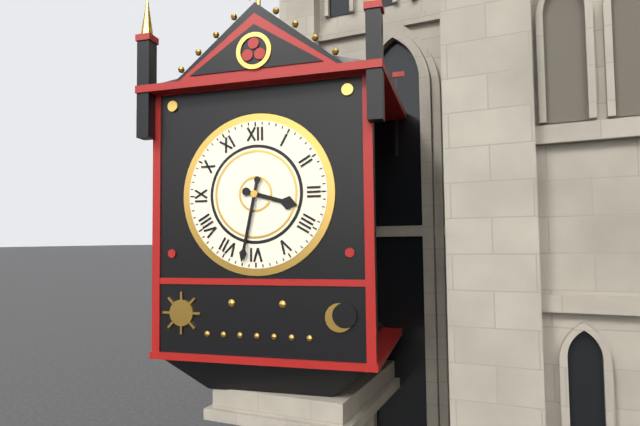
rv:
3.32
